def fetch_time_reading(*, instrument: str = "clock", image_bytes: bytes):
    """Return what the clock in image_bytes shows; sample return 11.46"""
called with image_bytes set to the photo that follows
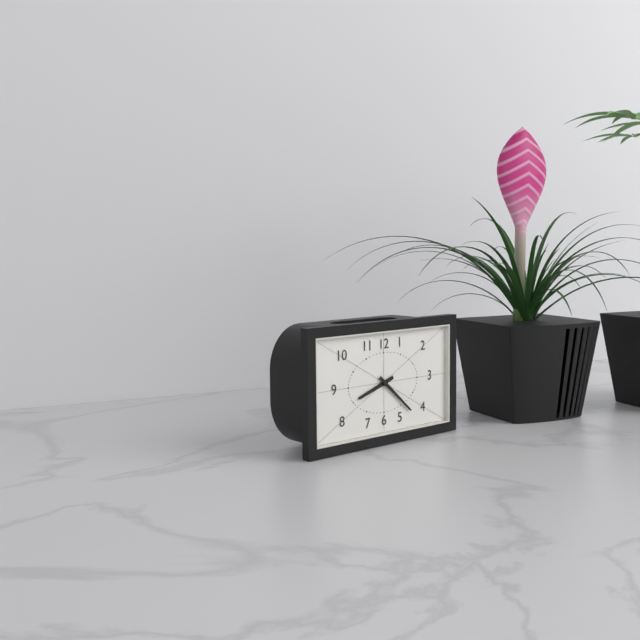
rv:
8.22
